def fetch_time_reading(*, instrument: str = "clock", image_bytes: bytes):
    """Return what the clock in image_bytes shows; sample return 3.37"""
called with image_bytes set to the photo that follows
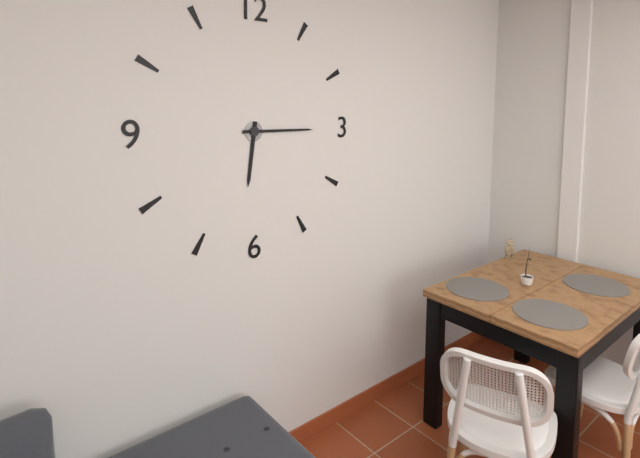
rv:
6.15
